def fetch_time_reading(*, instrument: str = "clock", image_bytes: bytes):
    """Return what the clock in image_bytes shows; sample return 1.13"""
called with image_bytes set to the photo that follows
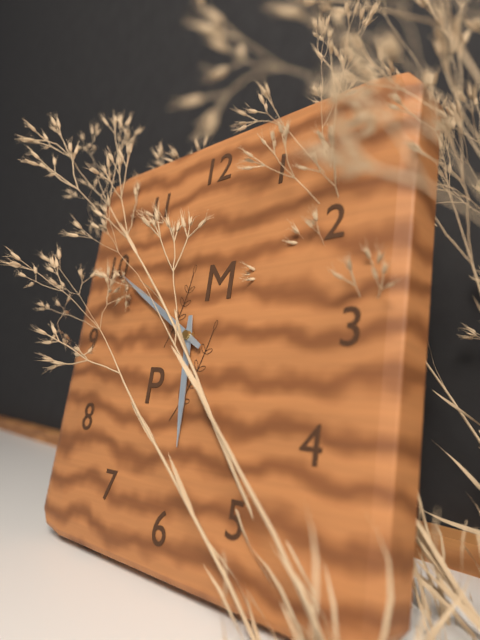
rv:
5.50
